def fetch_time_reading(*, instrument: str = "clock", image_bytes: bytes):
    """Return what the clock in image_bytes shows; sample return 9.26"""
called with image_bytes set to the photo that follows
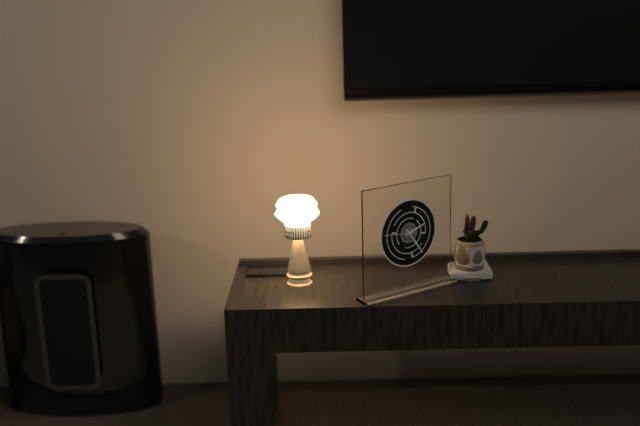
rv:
2.24
